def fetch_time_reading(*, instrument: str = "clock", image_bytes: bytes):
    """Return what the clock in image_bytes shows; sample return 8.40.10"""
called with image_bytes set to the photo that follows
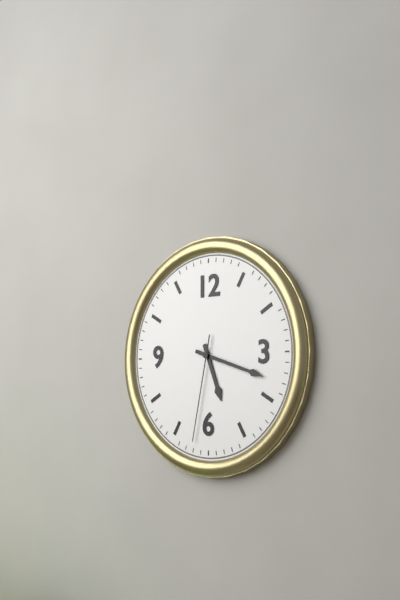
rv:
5.18.32
